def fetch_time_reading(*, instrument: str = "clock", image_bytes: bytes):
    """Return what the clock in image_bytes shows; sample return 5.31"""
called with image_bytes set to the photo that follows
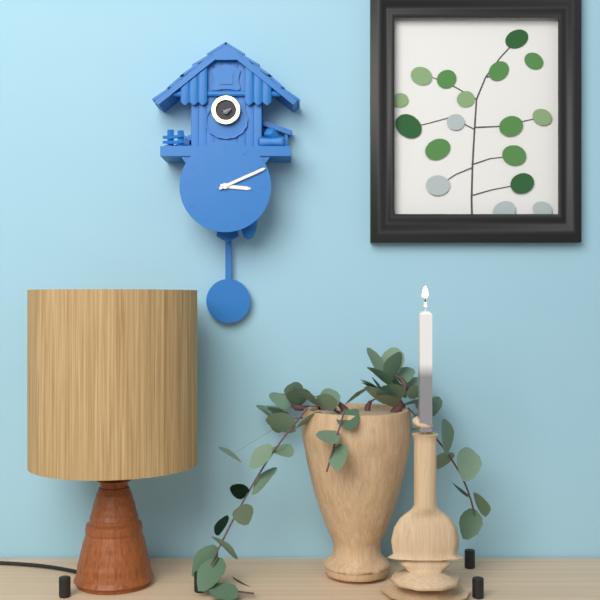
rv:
3.11
